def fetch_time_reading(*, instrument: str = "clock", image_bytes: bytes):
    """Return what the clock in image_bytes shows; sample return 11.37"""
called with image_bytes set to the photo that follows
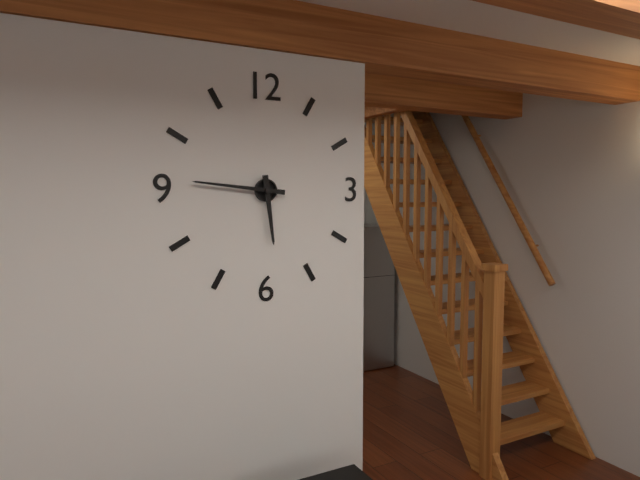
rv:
5.46
